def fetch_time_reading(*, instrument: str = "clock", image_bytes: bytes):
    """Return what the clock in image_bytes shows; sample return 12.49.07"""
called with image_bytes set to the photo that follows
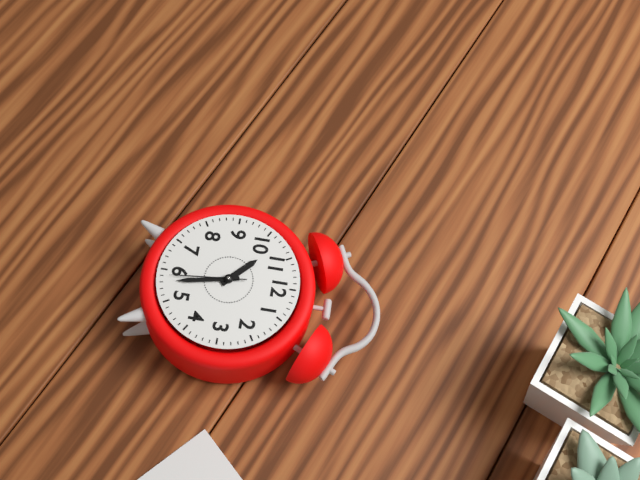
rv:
10.28.29
